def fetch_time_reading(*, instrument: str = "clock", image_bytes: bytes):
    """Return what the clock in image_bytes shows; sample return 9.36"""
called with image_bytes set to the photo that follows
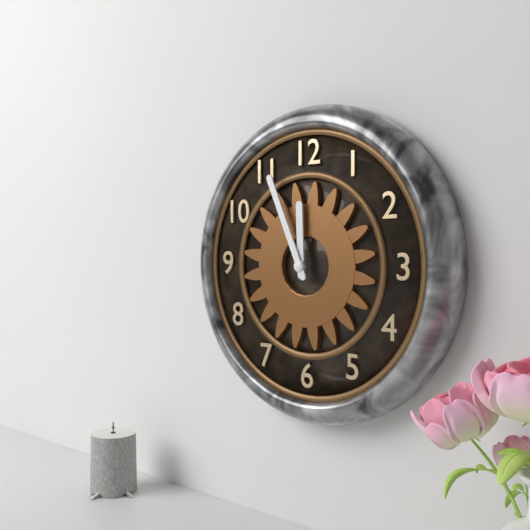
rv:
11.56
